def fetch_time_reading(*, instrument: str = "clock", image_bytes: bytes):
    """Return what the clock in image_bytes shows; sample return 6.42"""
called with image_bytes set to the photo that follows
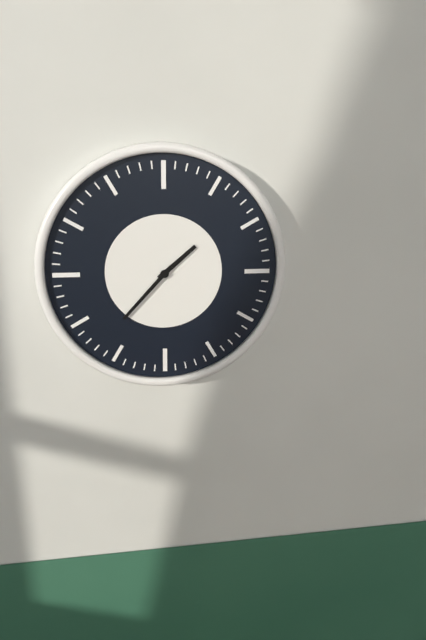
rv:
1.37
